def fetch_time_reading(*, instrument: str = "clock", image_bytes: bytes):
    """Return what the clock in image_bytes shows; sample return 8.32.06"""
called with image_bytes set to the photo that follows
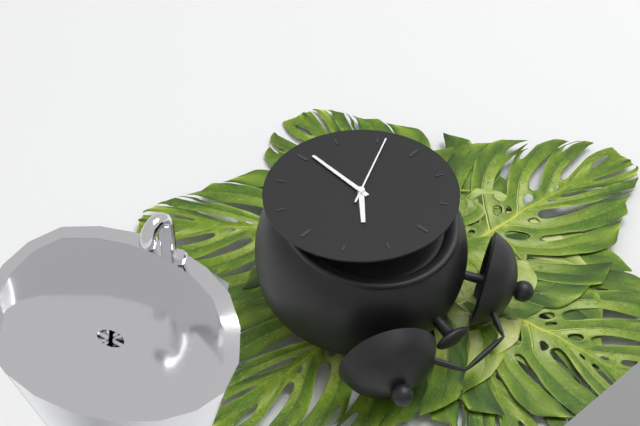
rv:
1.31.41
